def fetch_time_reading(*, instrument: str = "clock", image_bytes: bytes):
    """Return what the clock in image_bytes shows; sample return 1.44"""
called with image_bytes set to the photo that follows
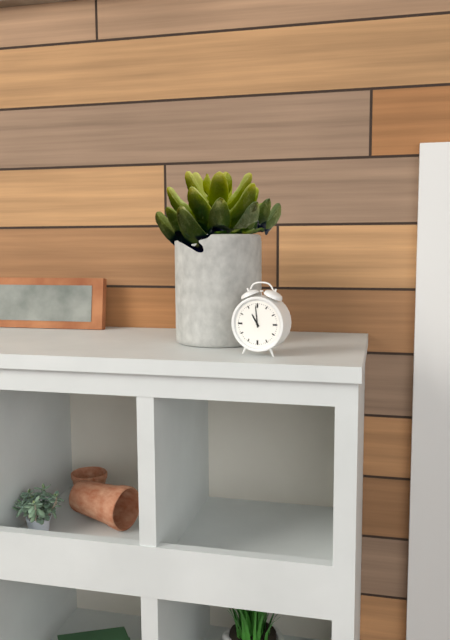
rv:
10.59
